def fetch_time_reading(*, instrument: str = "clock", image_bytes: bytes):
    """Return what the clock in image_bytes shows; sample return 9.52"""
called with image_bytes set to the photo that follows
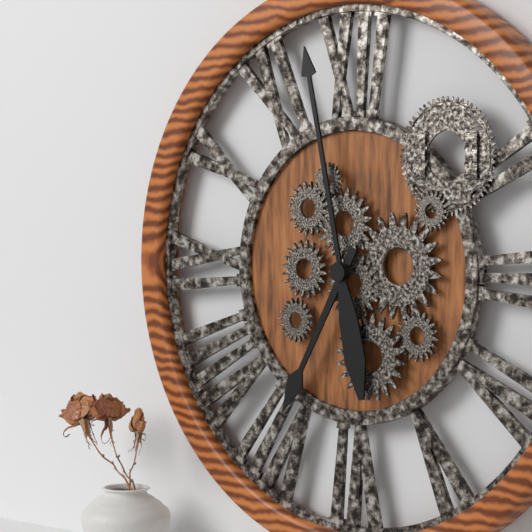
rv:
6.58
